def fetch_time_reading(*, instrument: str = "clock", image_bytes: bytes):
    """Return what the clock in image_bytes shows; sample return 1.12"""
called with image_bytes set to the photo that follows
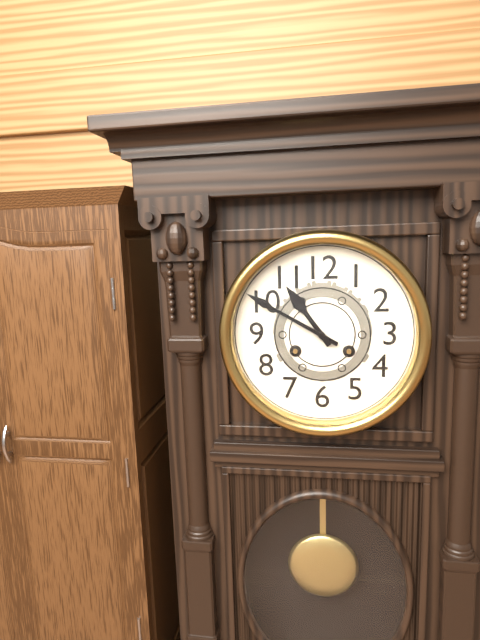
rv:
10.50
